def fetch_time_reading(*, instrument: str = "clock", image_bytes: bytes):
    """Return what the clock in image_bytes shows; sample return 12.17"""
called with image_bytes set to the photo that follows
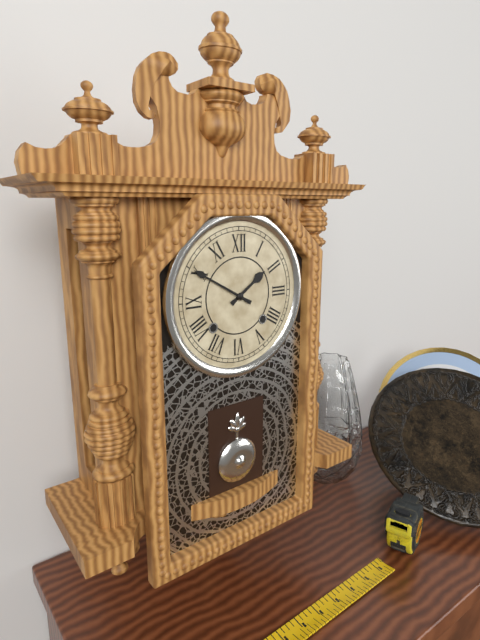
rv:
1.50
